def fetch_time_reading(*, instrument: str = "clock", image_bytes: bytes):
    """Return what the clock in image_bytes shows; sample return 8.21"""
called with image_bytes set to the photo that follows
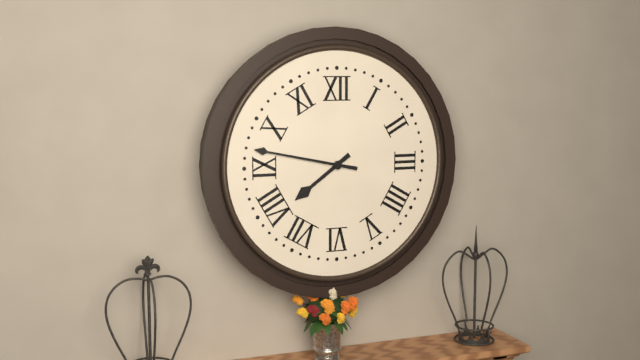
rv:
7.47
